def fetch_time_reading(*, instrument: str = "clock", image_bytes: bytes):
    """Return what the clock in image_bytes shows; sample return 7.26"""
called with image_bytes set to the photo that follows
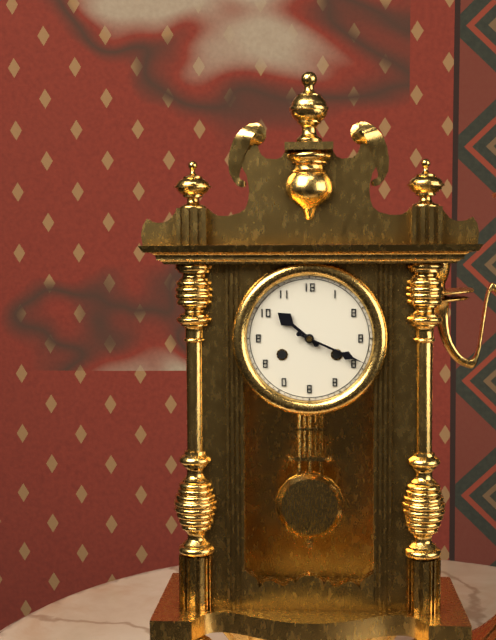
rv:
10.19
